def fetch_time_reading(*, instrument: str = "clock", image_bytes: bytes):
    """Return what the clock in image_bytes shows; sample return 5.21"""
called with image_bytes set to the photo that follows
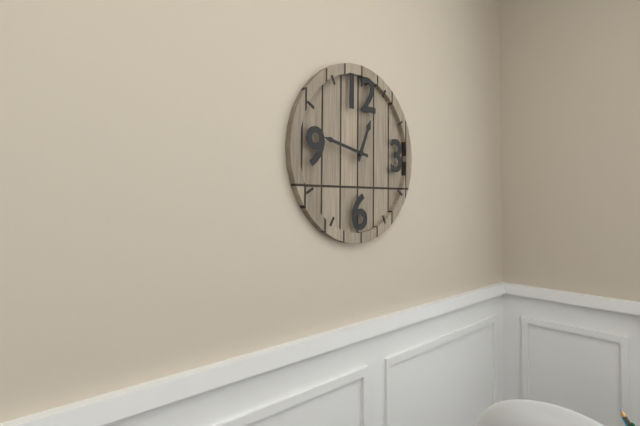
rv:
12.47
